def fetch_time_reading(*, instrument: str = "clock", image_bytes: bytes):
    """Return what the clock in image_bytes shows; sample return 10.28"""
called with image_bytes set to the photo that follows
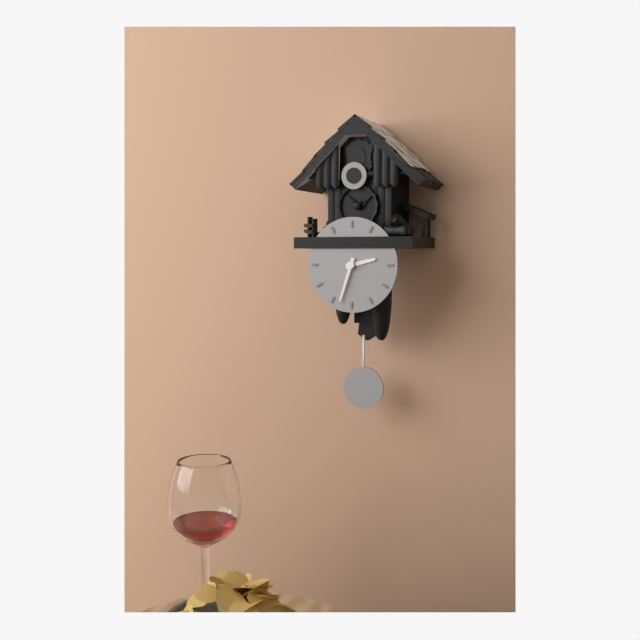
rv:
2.33
